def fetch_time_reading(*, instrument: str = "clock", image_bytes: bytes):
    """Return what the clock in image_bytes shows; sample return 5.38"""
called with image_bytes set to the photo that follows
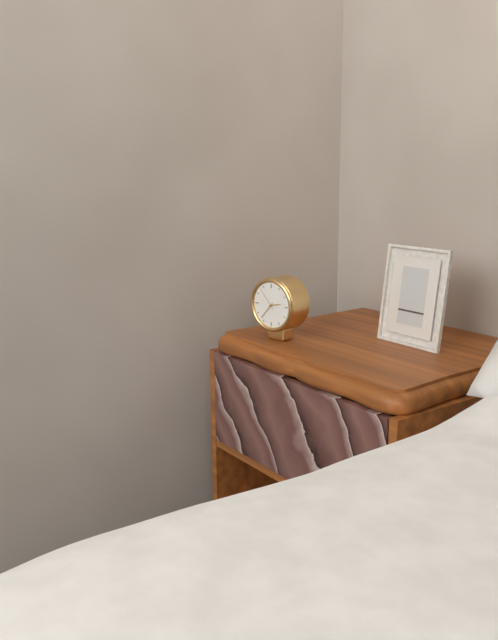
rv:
2.37
